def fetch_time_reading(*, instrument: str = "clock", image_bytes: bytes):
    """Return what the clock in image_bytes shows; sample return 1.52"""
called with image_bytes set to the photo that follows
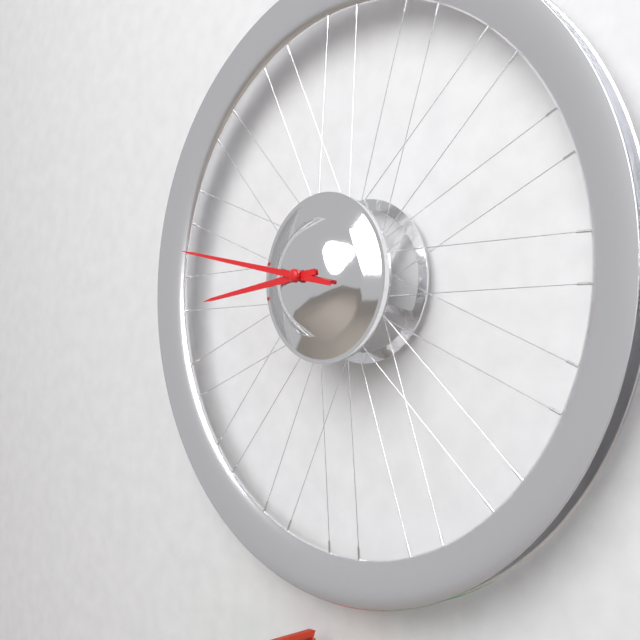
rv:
8.47
